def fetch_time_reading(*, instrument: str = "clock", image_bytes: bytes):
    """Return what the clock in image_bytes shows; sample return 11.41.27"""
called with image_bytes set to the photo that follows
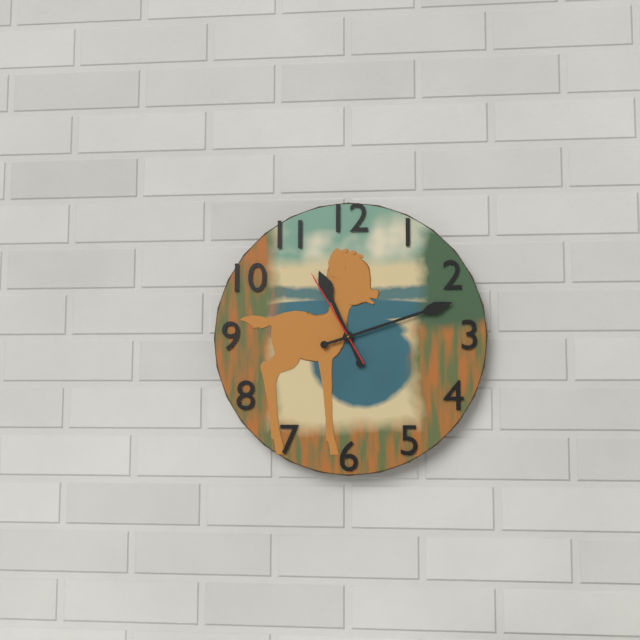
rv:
11.12.55
